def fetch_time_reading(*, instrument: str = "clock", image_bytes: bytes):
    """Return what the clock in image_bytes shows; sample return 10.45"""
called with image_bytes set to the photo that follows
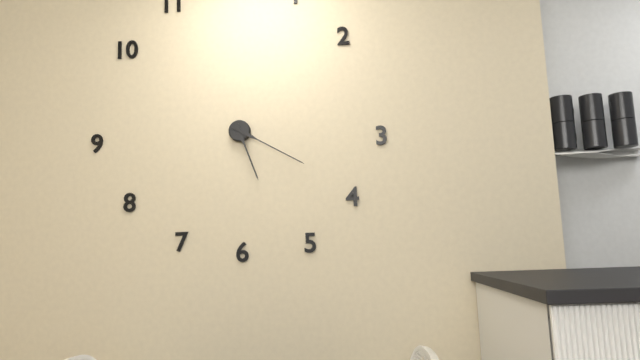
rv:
5.20
